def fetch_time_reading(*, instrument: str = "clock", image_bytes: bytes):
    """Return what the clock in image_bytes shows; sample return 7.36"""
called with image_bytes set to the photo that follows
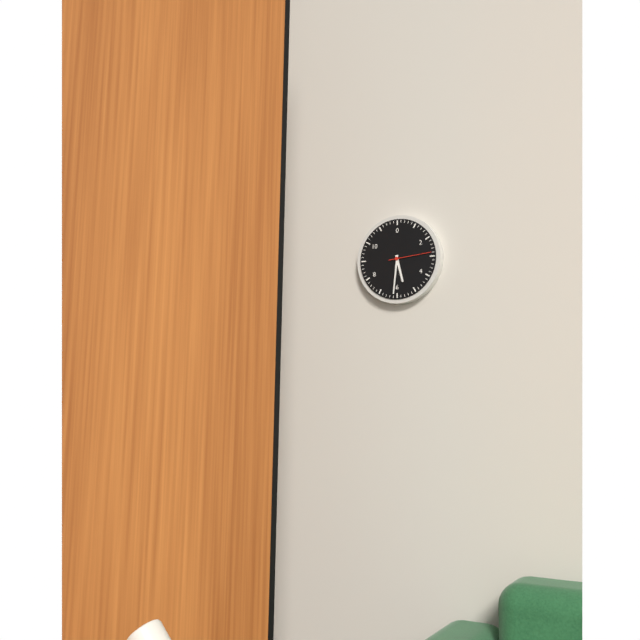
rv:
5.31
